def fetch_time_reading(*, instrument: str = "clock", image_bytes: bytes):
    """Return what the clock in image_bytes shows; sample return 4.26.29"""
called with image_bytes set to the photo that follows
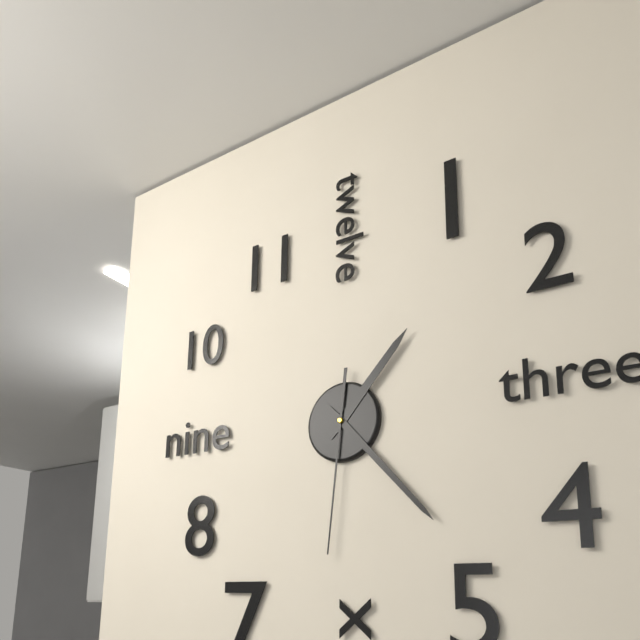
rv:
1.23.31
